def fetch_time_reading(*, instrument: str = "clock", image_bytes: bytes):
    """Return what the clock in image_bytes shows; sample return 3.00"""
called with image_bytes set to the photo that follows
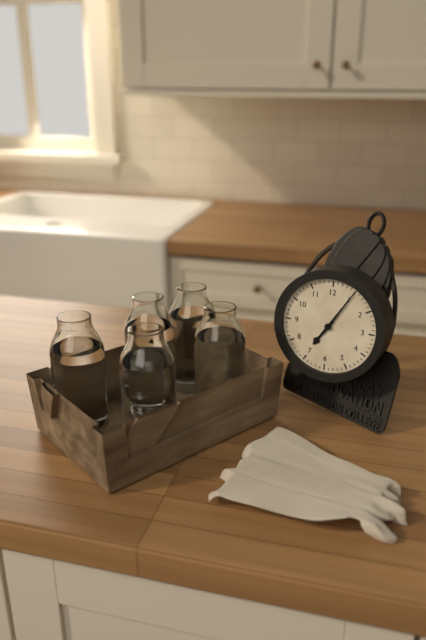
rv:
7.05
